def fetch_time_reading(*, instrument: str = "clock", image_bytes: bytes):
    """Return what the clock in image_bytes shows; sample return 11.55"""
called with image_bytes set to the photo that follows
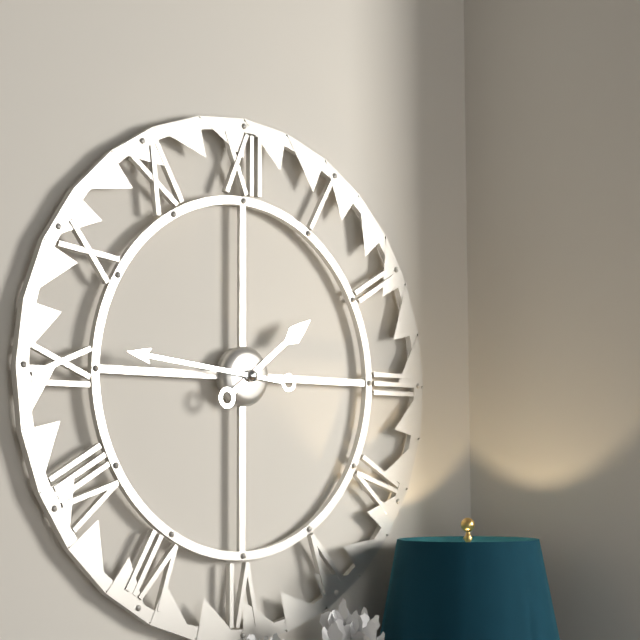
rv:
1.46
